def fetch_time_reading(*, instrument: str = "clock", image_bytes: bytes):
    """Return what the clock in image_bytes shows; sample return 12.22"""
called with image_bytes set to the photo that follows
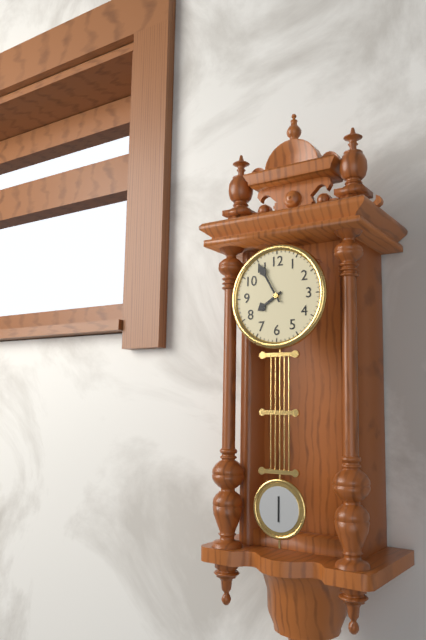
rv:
7.55
